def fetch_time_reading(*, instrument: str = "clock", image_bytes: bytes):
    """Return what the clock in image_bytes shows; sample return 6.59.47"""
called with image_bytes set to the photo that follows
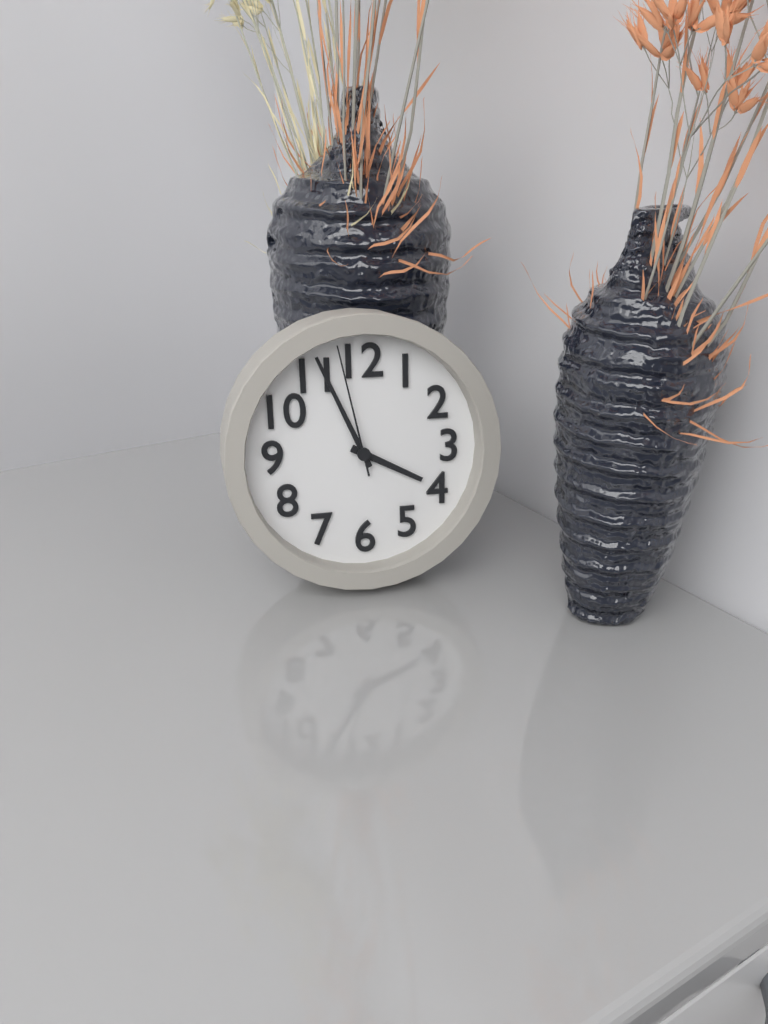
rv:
3.56.58
